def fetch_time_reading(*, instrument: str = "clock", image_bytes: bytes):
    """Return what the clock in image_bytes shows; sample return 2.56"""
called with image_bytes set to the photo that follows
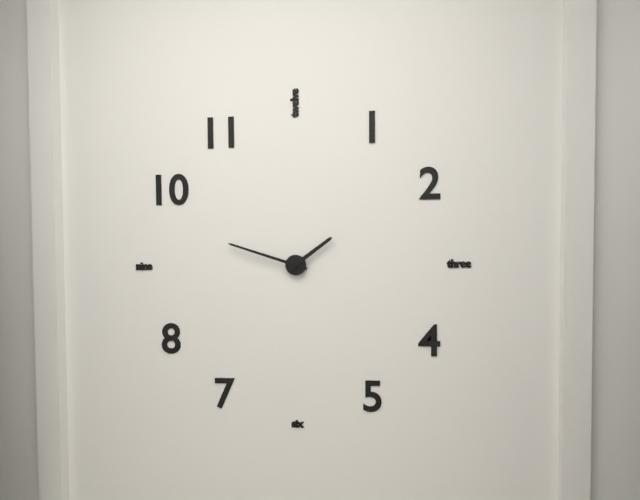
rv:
1.48
